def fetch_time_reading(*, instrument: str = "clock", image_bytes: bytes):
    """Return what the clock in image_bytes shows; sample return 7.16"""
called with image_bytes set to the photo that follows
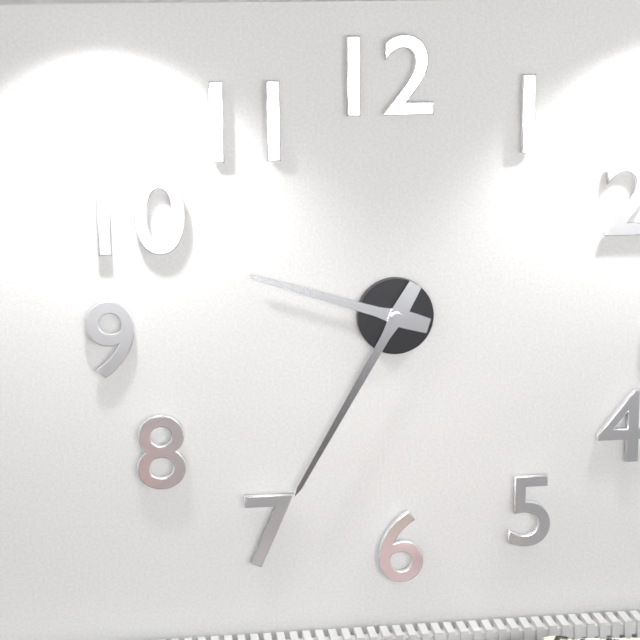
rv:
9.35
